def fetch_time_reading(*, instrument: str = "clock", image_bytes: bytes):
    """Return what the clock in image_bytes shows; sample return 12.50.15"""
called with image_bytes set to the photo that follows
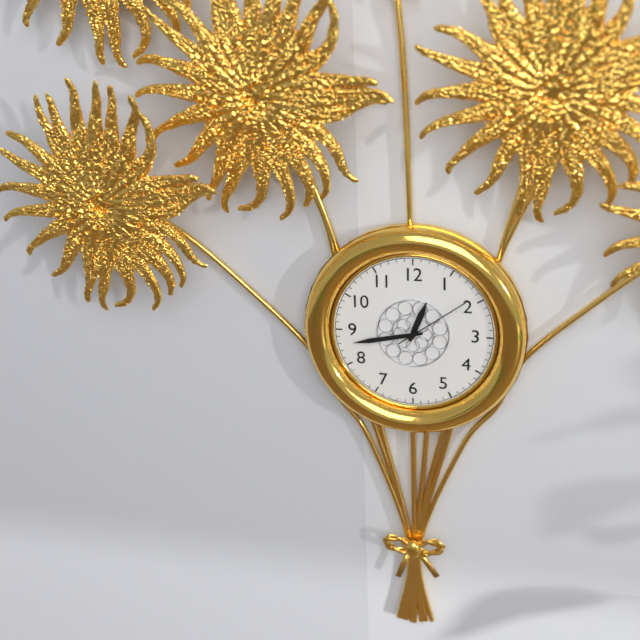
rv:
12.43.09
